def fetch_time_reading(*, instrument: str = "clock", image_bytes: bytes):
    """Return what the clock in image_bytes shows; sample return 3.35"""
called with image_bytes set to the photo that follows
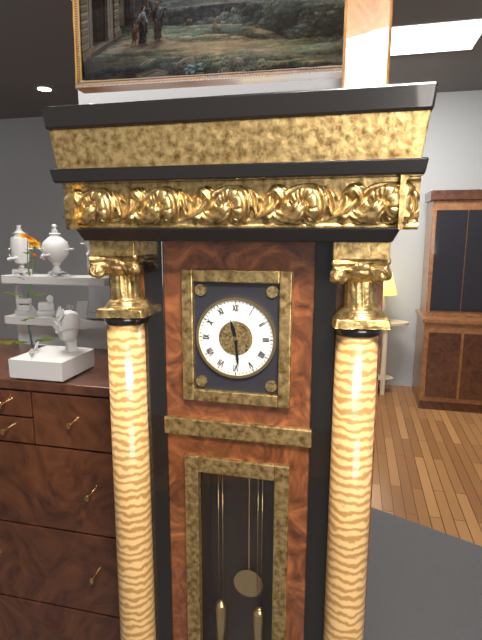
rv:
11.29
